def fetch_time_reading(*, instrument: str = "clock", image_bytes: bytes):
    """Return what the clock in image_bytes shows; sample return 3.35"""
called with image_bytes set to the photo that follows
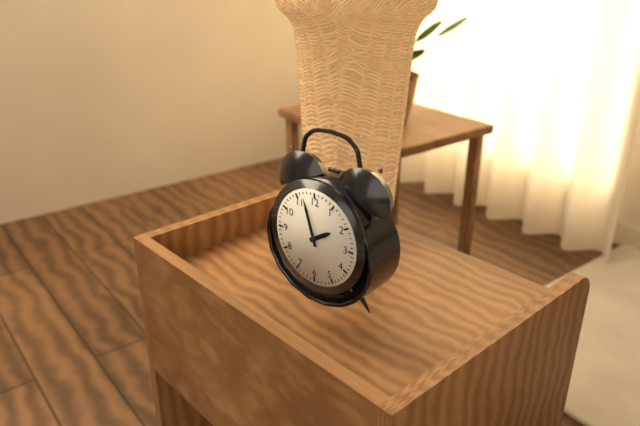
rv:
1.57
